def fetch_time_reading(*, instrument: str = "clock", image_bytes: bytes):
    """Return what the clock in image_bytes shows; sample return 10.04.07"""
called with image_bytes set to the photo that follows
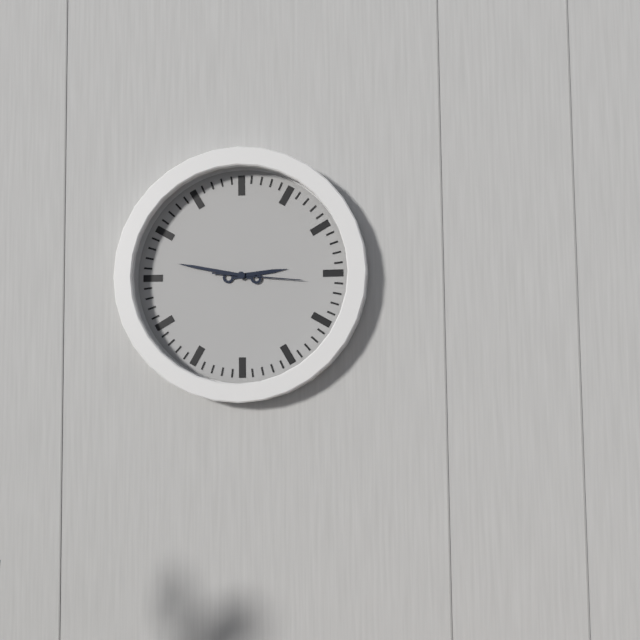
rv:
2.47.16
